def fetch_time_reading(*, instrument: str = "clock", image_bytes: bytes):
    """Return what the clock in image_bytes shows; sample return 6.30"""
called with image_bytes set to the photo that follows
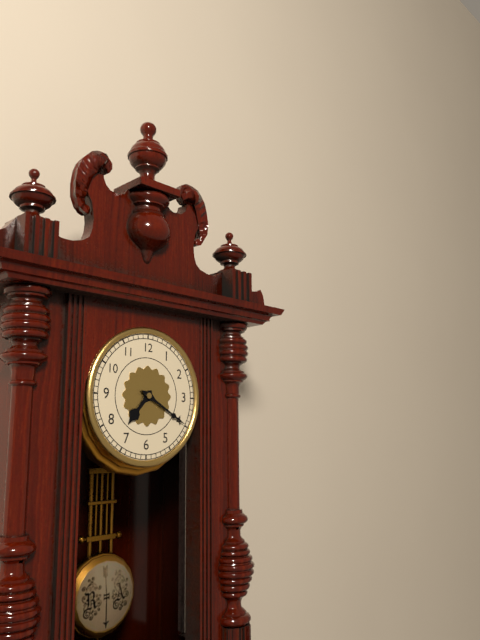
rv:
7.20
